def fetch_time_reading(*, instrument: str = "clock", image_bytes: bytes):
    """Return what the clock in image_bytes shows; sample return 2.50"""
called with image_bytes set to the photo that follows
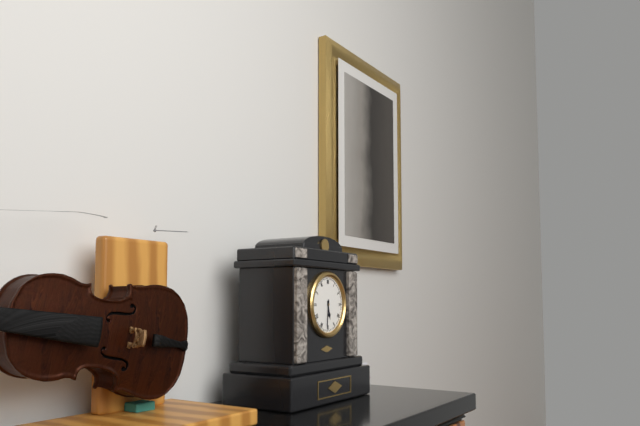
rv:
5.31
